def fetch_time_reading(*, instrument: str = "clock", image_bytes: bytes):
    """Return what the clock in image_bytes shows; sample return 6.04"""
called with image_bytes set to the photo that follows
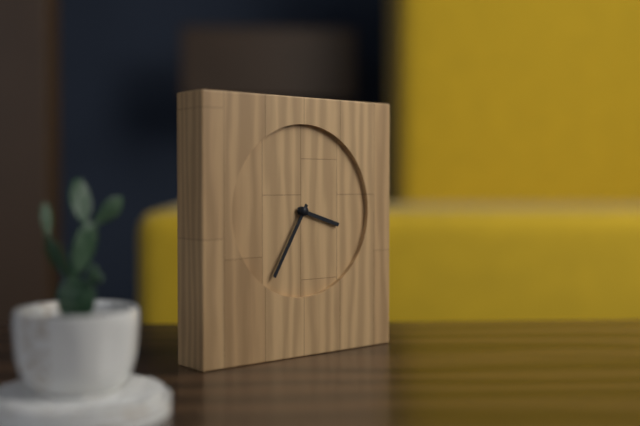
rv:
3.35
